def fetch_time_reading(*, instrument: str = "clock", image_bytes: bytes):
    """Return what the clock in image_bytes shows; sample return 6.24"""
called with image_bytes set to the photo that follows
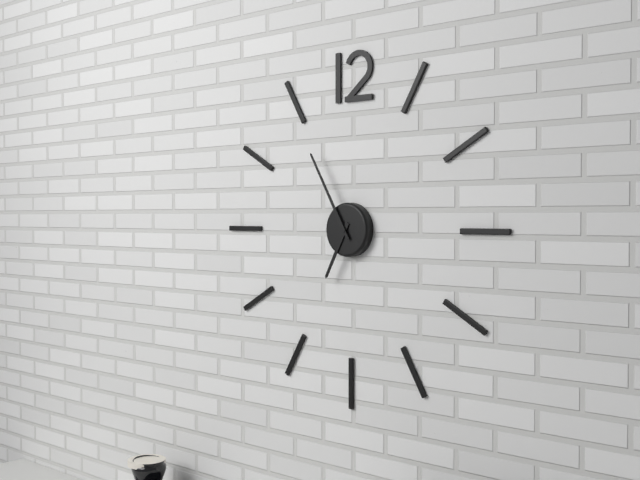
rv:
6.55
